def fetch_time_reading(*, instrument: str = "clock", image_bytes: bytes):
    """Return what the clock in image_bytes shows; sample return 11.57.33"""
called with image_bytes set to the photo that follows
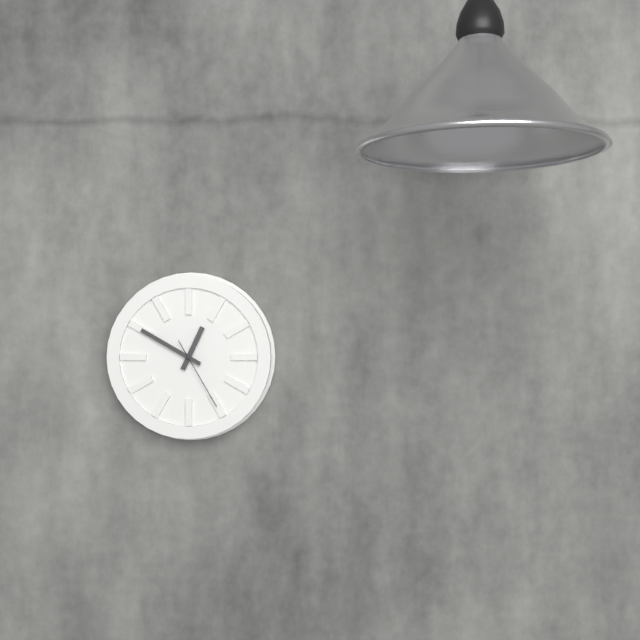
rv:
12.50.25
